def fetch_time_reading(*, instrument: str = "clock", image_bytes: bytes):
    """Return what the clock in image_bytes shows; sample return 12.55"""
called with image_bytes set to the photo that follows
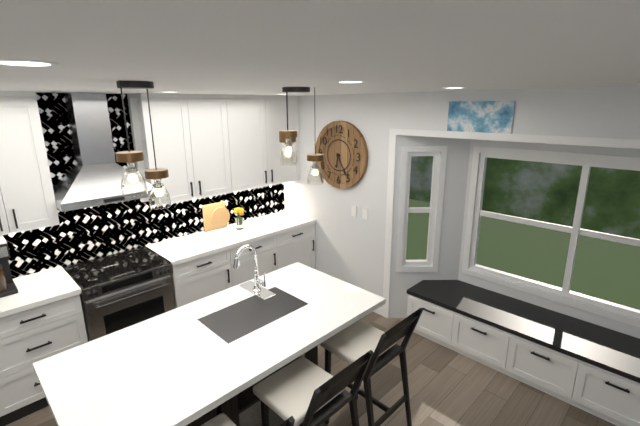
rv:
6.25
